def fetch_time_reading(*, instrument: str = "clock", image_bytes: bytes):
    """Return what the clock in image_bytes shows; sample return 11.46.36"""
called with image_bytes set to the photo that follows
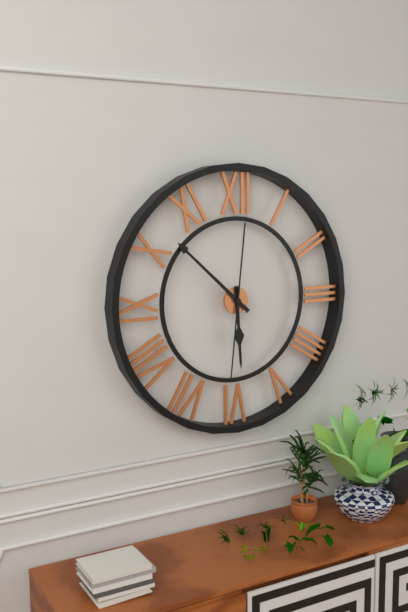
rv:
5.52.31
